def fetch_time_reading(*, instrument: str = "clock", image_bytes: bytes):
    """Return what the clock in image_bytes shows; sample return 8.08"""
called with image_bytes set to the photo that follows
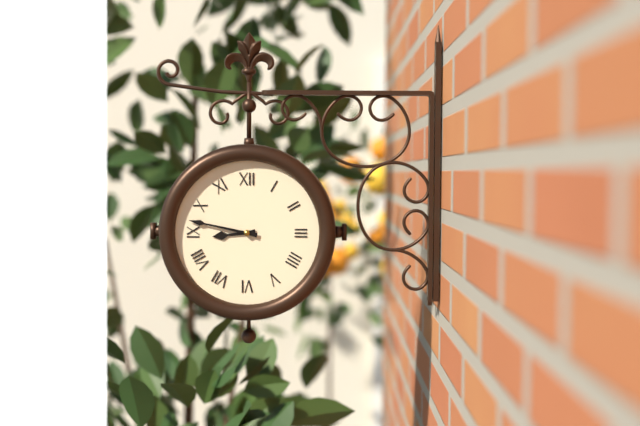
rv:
8.47
